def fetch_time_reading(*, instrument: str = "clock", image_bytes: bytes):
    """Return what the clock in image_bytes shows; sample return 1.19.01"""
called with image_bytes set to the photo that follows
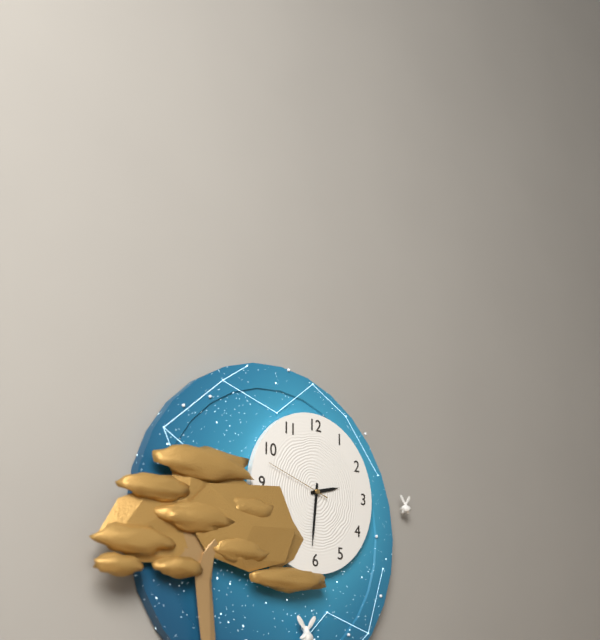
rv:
2.31.48
